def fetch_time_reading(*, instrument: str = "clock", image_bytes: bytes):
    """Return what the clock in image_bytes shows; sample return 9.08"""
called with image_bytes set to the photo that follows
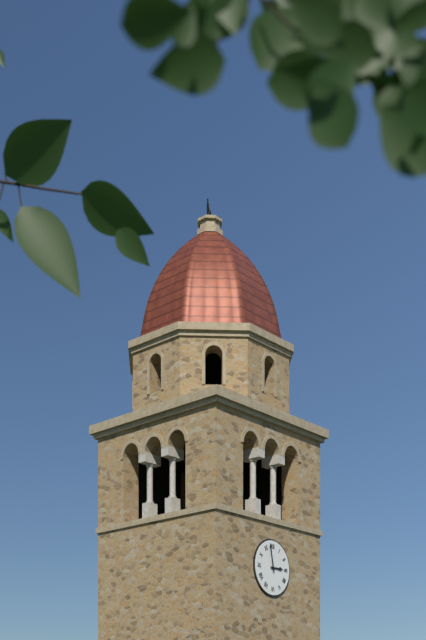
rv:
2.58
